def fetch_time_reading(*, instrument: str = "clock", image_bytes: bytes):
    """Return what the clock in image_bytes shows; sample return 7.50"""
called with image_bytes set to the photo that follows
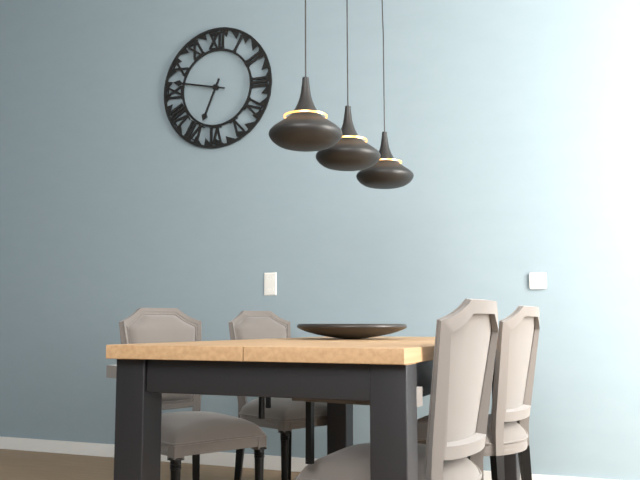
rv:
6.47
